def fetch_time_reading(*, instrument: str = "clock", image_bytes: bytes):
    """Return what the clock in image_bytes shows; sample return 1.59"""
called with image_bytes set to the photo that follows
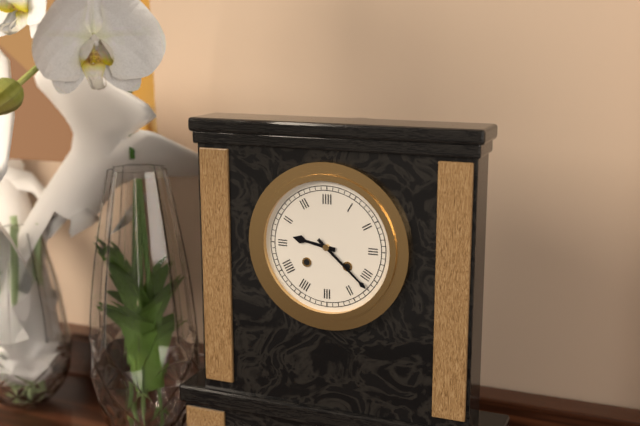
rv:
9.22
